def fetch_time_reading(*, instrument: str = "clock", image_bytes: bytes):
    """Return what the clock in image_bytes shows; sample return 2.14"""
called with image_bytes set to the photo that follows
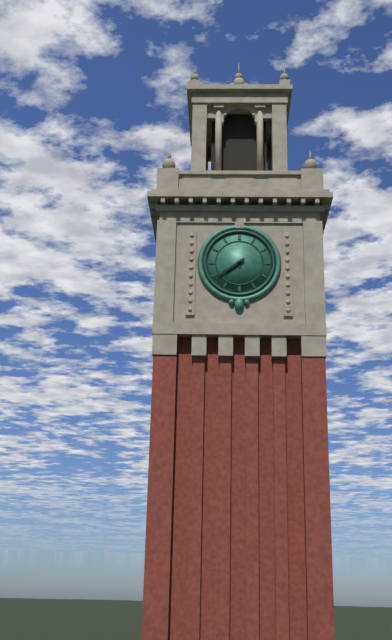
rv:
7.39
